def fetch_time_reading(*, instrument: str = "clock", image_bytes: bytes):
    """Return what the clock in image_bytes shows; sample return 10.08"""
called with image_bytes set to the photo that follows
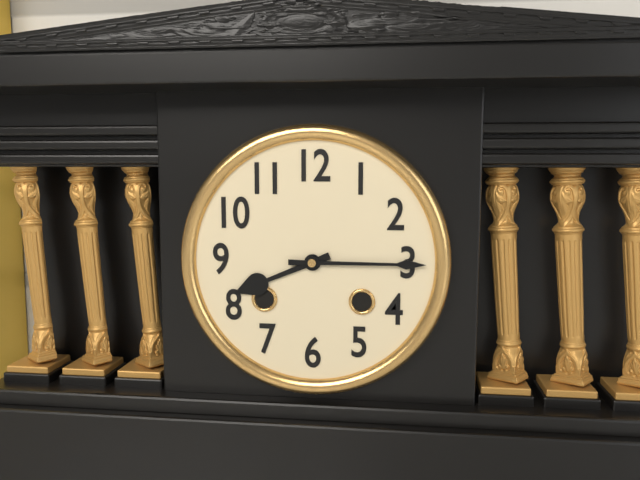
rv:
8.15
